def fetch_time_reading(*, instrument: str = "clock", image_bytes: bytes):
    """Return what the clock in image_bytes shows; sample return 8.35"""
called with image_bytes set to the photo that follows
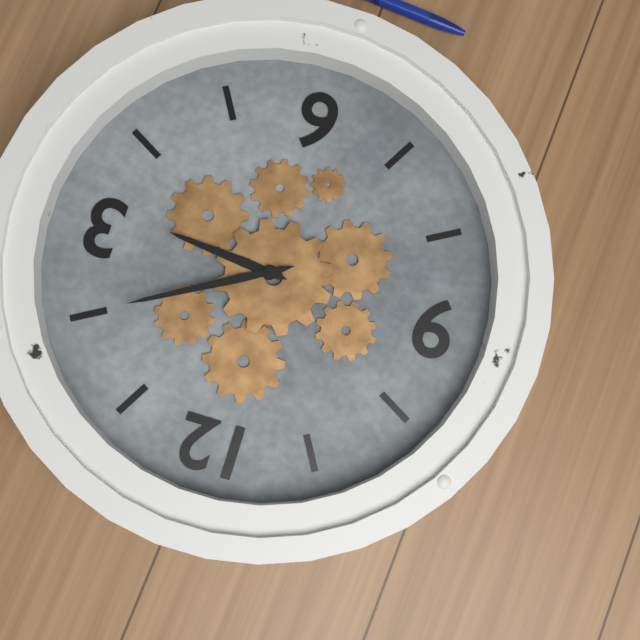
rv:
3.10
